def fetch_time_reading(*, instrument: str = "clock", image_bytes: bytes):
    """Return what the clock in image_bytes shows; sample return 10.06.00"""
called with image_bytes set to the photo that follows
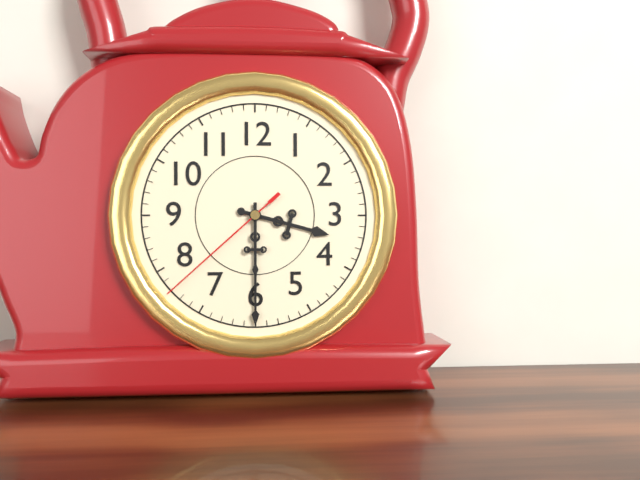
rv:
3.30.38
